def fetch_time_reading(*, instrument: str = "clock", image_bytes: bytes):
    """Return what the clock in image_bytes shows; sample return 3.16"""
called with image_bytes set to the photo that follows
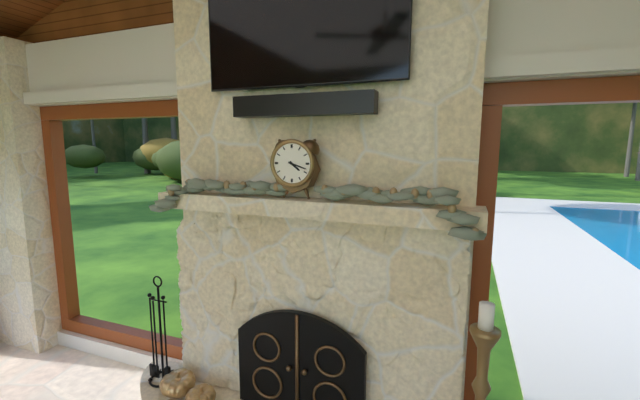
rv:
4.18
